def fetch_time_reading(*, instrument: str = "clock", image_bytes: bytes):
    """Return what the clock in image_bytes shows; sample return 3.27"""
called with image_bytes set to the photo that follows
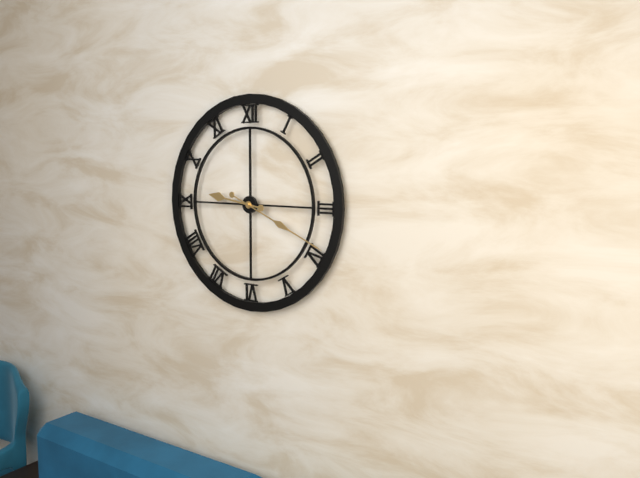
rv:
9.19
